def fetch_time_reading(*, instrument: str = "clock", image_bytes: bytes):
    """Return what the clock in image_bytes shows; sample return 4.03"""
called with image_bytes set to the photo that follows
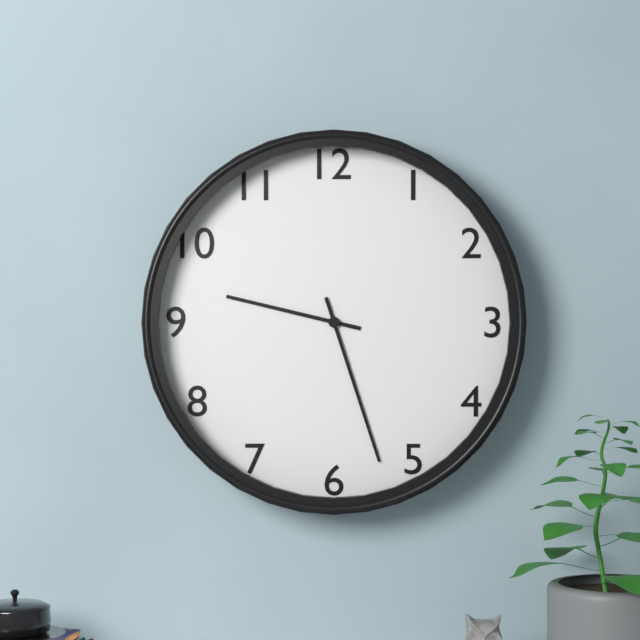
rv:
9.27
